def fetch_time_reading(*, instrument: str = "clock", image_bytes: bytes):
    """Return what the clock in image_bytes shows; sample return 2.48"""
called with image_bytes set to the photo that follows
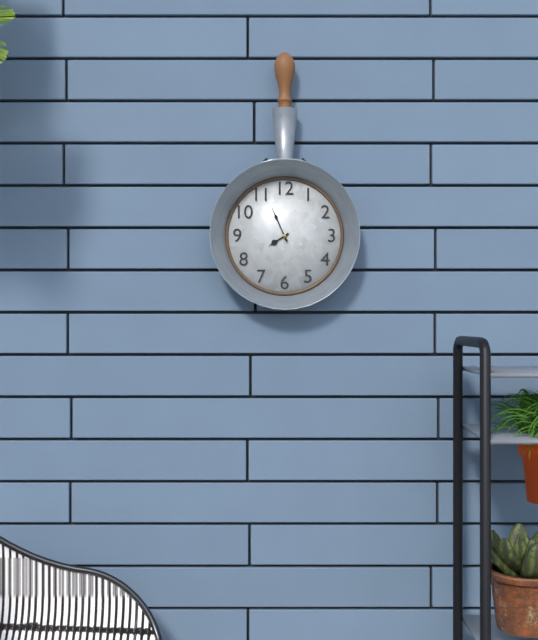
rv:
7.56
